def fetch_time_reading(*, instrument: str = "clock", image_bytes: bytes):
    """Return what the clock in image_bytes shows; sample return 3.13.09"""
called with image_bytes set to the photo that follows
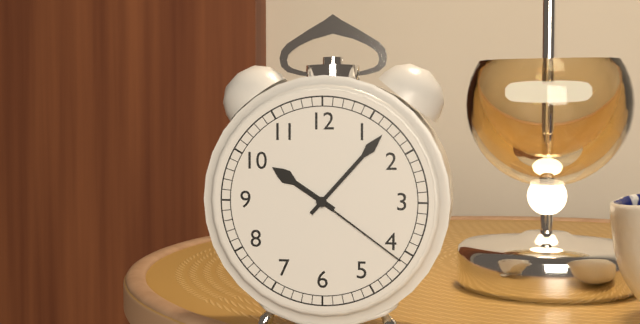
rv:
10.07.21
